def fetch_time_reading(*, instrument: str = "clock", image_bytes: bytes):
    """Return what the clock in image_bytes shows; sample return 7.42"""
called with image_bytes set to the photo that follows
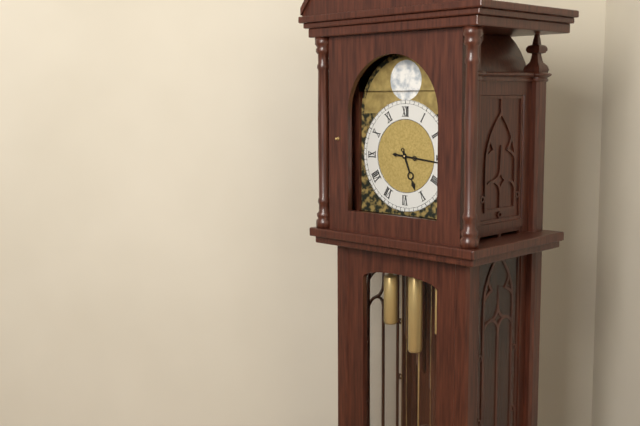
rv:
5.16
